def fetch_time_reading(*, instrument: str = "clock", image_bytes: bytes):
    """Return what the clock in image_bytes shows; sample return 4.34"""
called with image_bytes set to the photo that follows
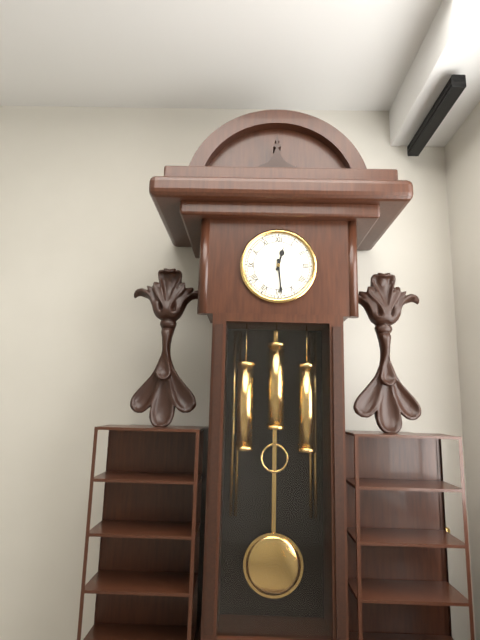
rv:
12.29
